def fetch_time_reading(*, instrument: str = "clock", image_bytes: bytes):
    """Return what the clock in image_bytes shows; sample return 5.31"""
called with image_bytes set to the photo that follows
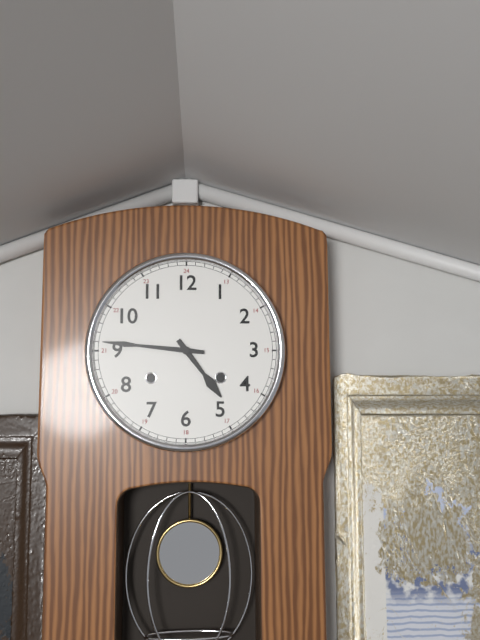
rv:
4.46
